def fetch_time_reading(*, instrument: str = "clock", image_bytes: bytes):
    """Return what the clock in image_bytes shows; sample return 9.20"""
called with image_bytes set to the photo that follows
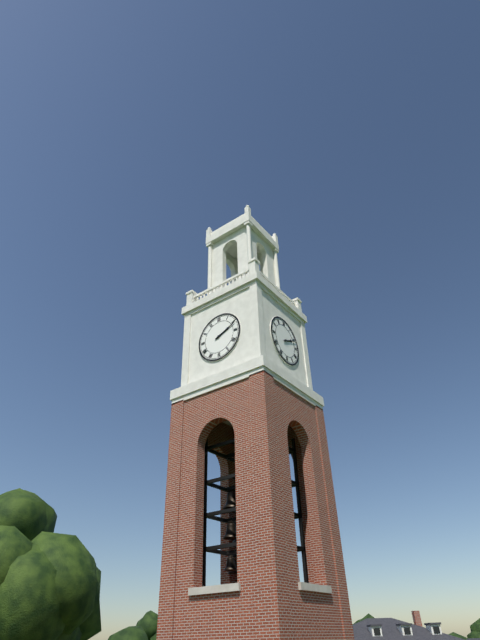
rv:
2.11
